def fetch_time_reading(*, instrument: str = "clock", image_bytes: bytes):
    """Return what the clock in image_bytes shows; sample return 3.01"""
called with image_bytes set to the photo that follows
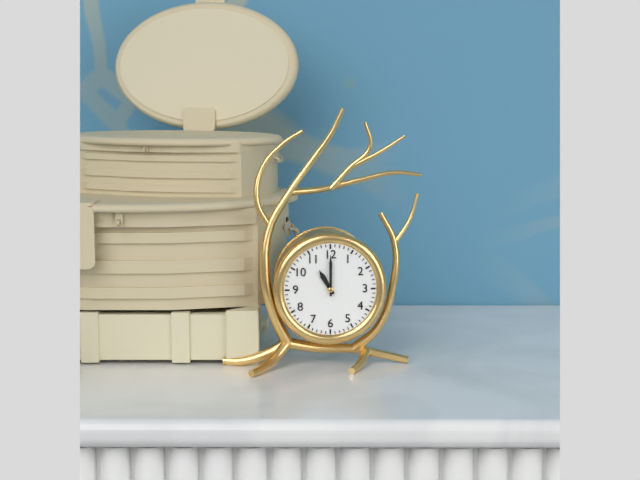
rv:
11.00
